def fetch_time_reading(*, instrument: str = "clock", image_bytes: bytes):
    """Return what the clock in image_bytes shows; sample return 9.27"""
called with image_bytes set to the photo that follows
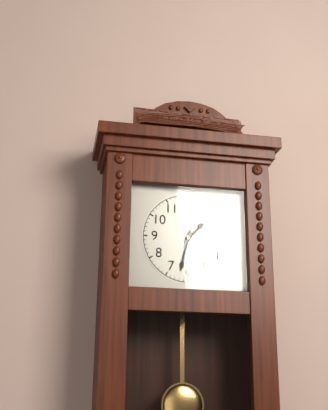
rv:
1.32
